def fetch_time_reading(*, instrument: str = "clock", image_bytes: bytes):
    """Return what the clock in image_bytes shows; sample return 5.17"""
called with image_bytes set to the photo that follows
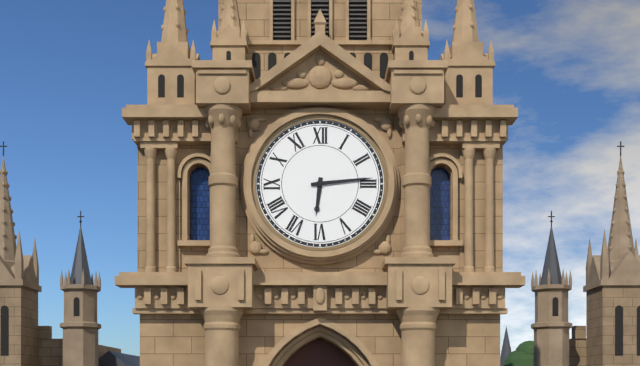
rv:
6.14
